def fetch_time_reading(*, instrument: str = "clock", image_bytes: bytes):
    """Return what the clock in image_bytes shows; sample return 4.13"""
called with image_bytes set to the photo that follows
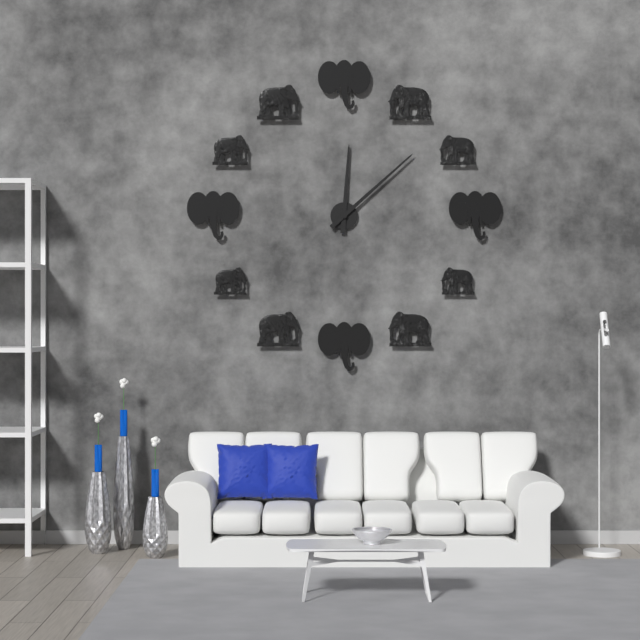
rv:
12.08
